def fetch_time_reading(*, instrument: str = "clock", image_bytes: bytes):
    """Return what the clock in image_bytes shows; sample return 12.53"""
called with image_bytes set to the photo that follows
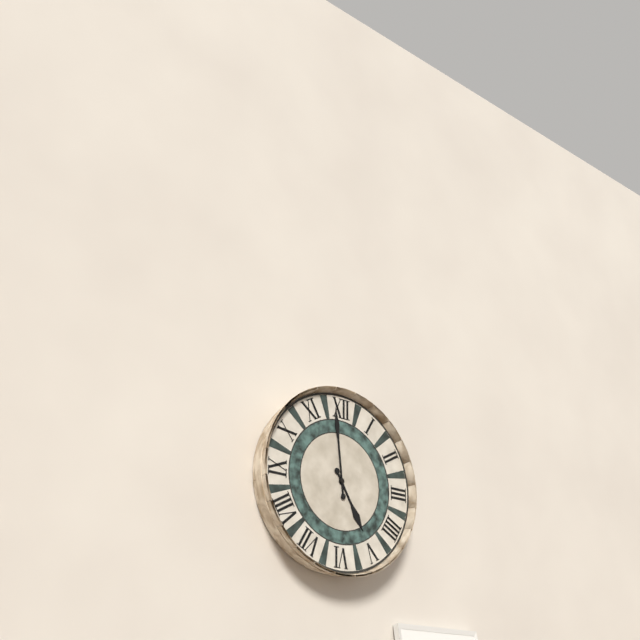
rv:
4.59
